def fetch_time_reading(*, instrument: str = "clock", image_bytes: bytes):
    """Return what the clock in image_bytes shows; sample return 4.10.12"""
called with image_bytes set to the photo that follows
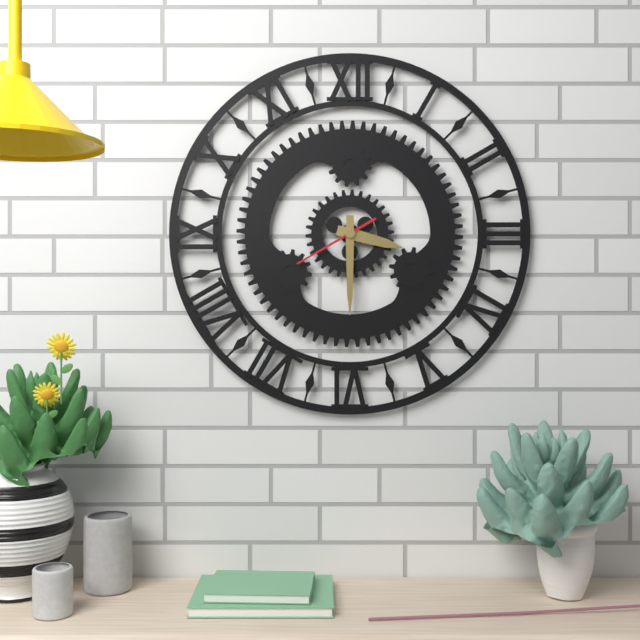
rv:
3.30.40
